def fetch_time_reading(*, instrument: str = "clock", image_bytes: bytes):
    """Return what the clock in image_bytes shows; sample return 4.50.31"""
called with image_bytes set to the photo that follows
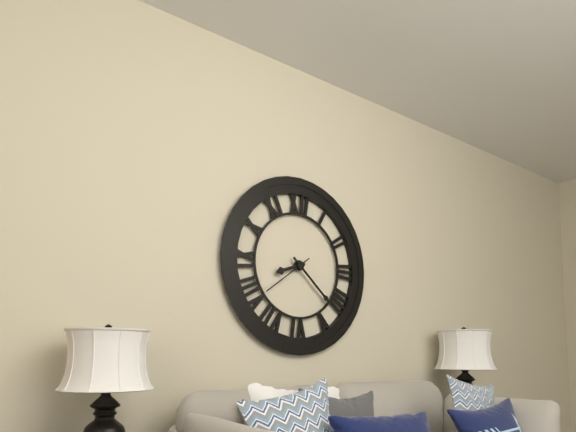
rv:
8.22.39
